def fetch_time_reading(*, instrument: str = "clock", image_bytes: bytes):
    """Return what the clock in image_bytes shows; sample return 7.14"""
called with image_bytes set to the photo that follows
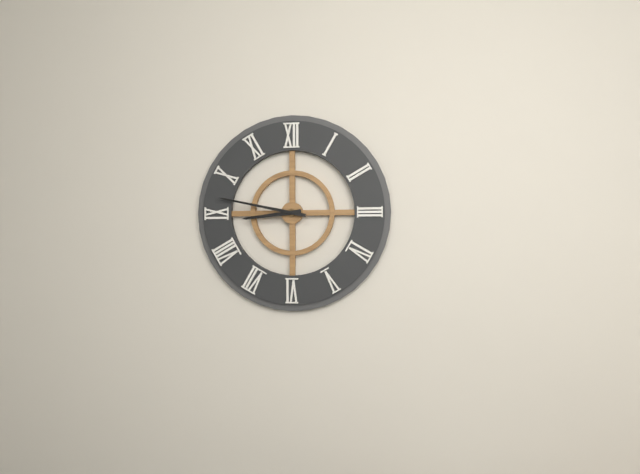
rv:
8.47
